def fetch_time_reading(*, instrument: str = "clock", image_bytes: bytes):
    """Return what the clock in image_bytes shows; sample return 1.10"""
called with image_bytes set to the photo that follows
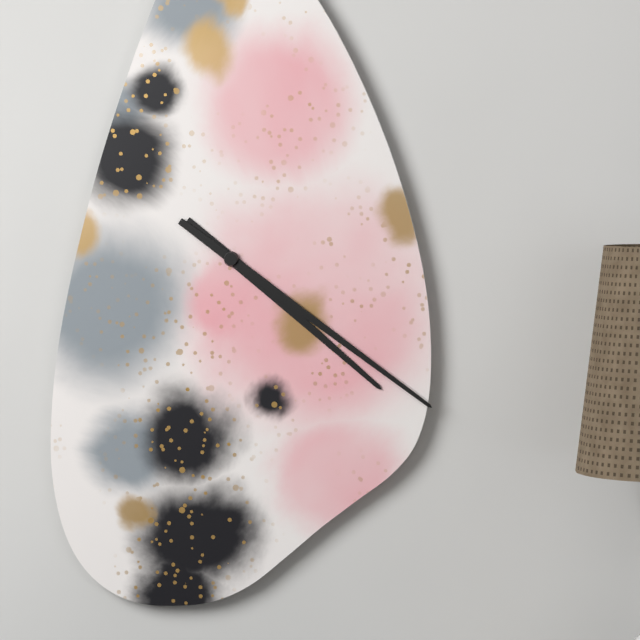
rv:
4.21
